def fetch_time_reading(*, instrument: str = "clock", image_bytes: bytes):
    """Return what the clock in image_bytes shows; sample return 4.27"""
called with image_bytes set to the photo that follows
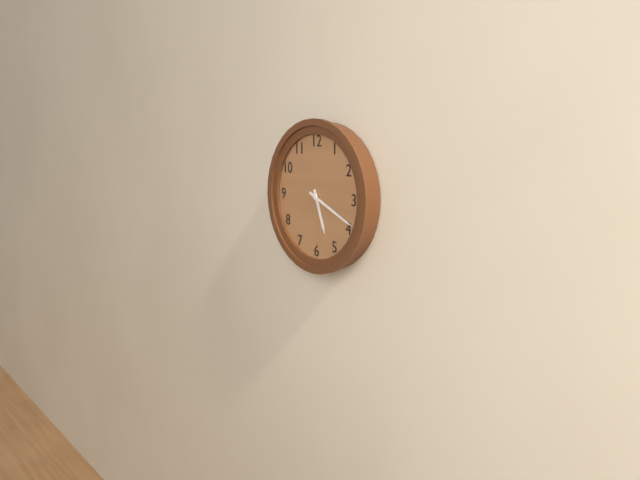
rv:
5.19
